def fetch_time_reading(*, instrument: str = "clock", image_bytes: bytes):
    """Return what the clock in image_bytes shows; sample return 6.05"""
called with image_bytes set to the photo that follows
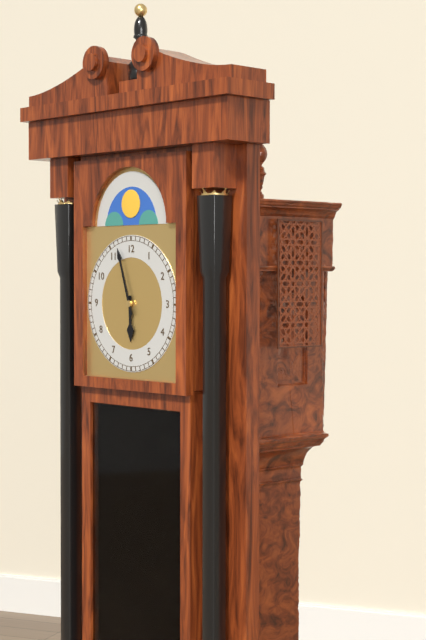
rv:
5.57
